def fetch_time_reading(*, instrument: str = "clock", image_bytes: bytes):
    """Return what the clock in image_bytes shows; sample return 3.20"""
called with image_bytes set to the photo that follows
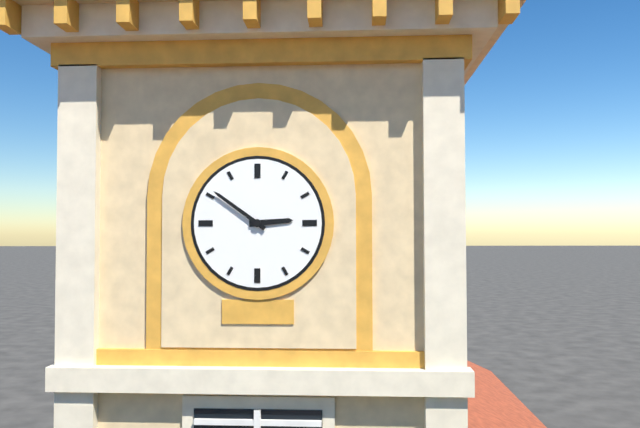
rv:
2.51
